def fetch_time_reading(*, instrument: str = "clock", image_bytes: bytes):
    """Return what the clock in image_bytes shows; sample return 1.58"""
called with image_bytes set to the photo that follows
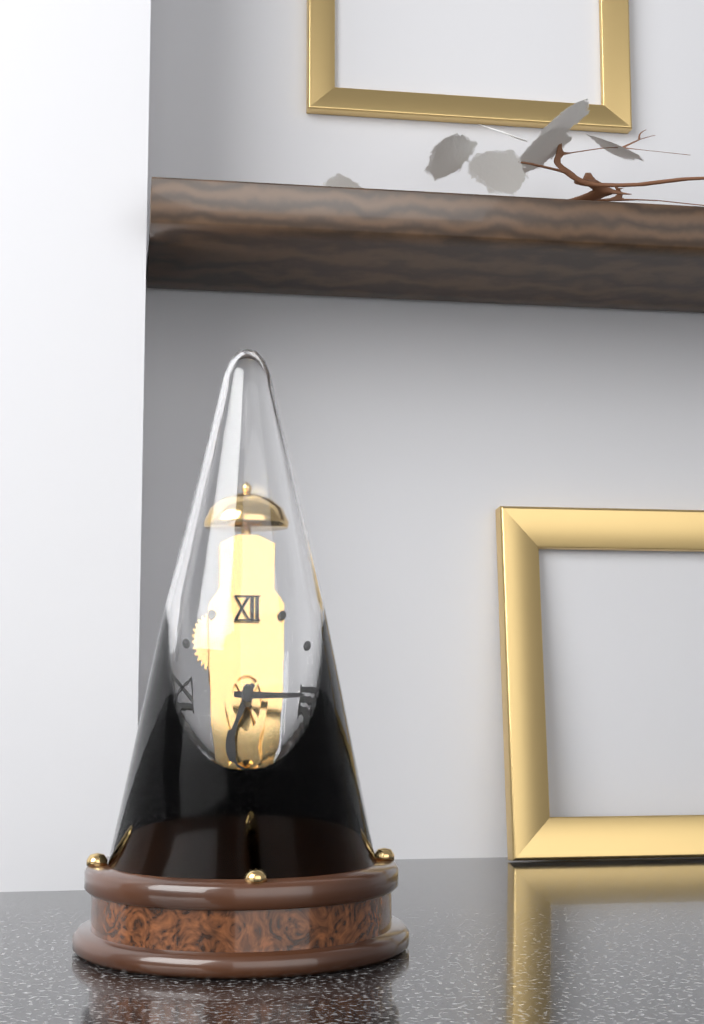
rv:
7.15
